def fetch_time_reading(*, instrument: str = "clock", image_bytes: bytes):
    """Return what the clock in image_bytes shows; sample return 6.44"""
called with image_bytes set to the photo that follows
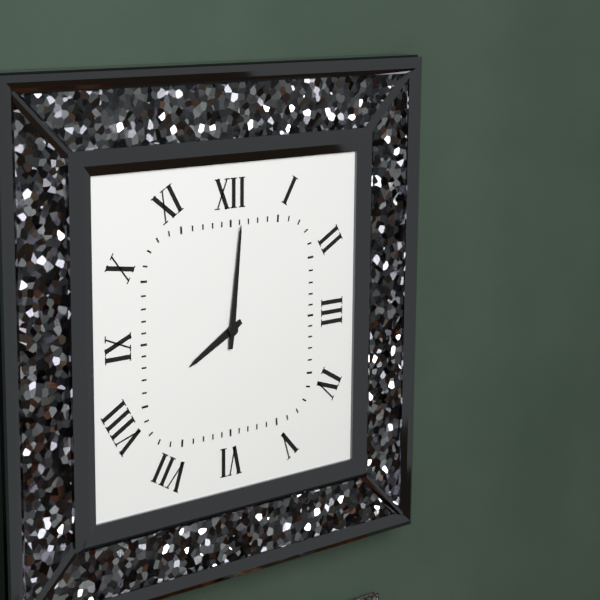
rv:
8.01
